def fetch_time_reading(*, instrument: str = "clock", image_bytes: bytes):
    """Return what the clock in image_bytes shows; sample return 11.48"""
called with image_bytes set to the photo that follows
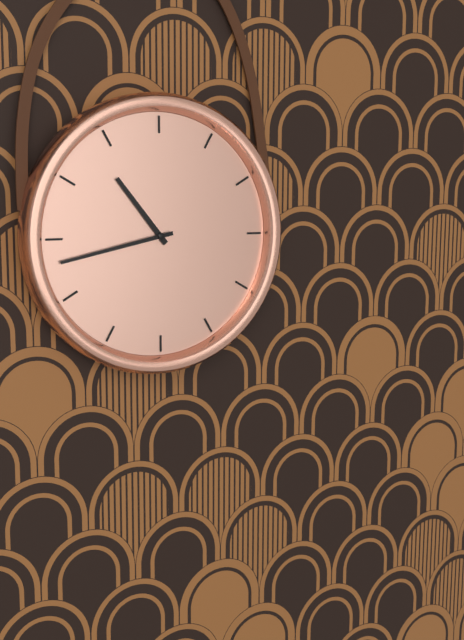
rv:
10.43
